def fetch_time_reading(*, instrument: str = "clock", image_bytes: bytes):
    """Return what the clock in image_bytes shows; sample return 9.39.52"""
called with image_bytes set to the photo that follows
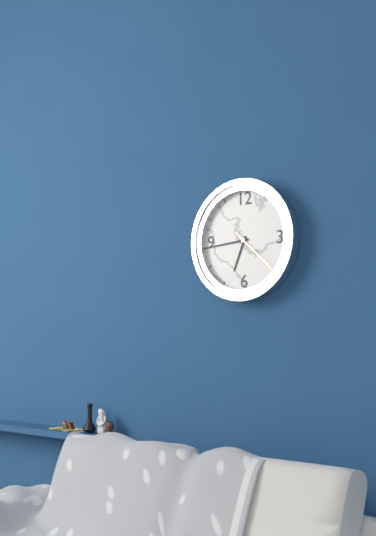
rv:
6.44.22
